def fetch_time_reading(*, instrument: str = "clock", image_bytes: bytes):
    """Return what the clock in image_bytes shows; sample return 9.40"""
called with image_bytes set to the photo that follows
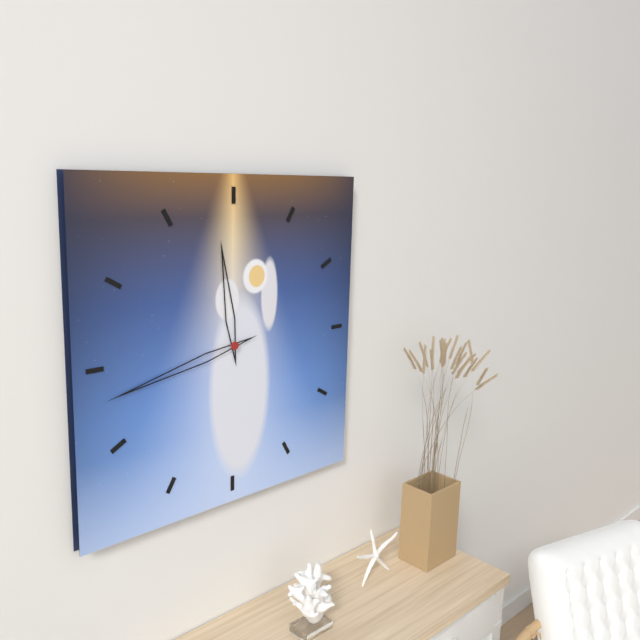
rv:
11.43
